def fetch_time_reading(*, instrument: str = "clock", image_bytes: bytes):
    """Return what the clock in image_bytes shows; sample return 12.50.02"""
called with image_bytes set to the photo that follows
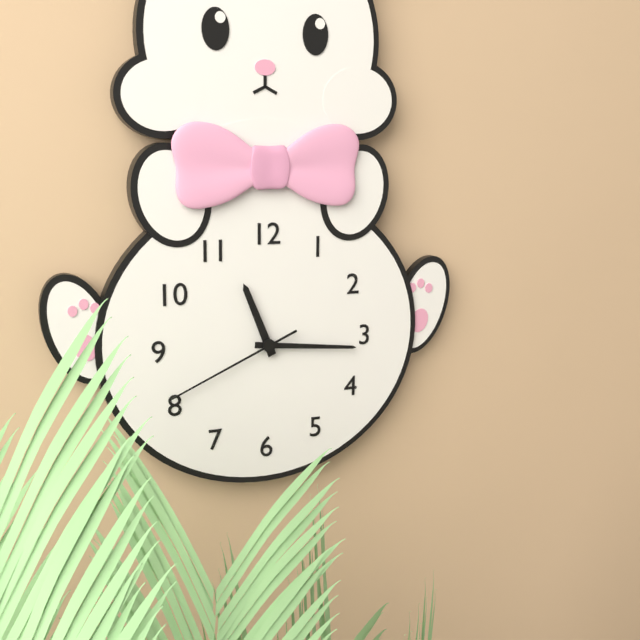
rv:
11.16.41
